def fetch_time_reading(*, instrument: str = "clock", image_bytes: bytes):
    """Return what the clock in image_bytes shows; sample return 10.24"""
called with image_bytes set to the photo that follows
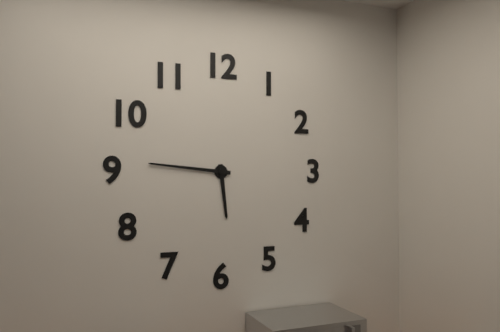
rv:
5.46
